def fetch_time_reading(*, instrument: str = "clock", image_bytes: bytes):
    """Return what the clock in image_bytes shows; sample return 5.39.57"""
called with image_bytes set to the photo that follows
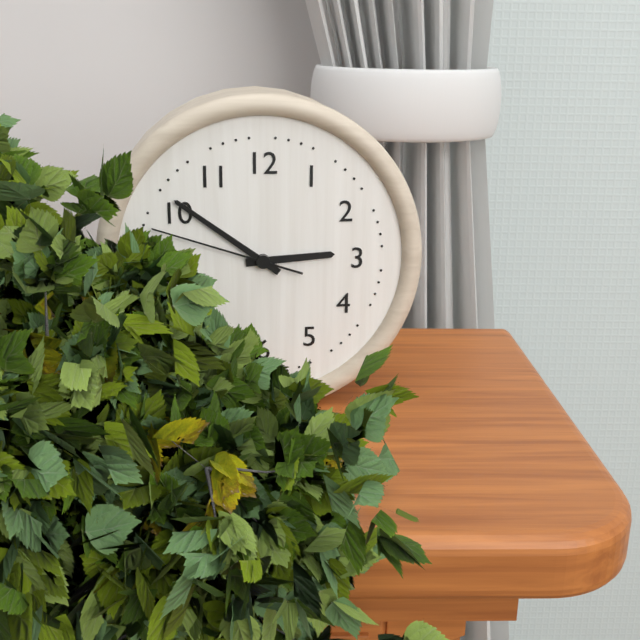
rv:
2.51.48
